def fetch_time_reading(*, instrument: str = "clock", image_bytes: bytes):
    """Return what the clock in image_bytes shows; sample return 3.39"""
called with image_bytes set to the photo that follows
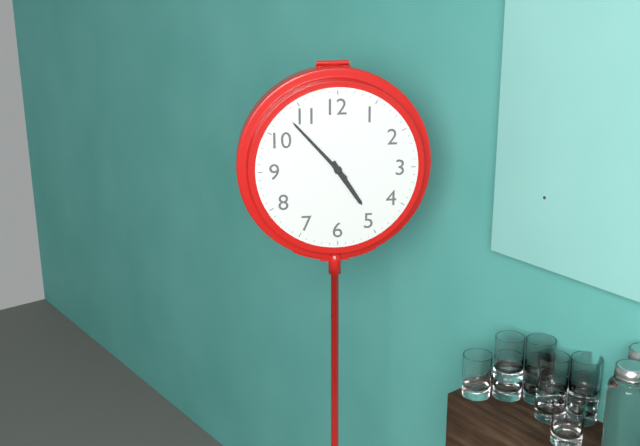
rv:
4.53
